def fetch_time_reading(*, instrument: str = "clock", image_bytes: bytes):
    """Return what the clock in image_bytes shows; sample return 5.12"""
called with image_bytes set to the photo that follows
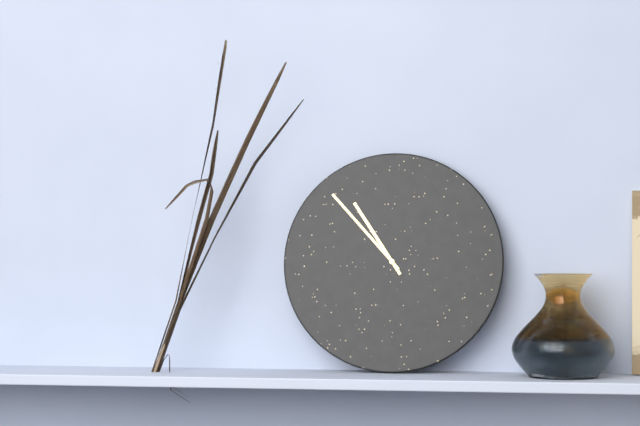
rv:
10.53
